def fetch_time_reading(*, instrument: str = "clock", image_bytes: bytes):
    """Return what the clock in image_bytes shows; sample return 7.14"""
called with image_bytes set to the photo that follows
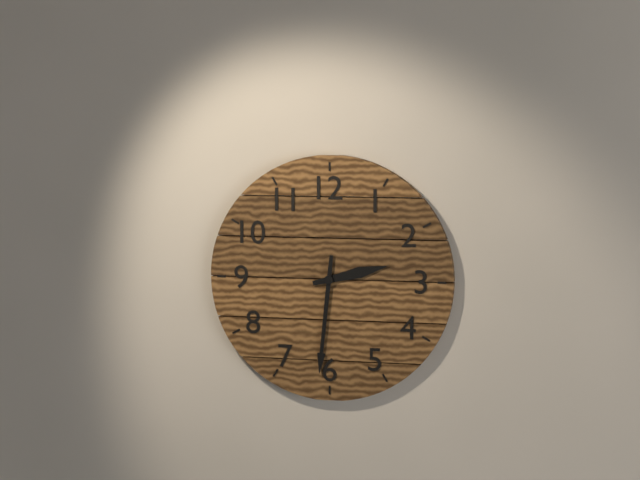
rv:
2.31
